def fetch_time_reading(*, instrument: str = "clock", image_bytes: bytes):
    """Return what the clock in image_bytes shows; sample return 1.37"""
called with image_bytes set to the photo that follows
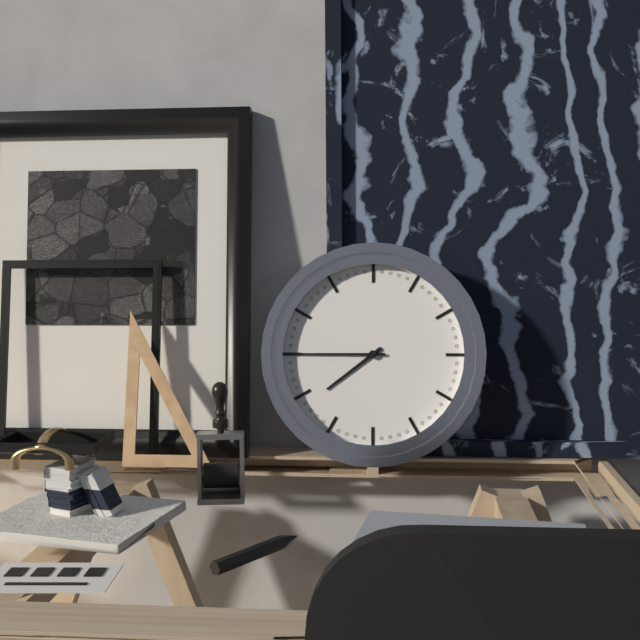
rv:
7.45
